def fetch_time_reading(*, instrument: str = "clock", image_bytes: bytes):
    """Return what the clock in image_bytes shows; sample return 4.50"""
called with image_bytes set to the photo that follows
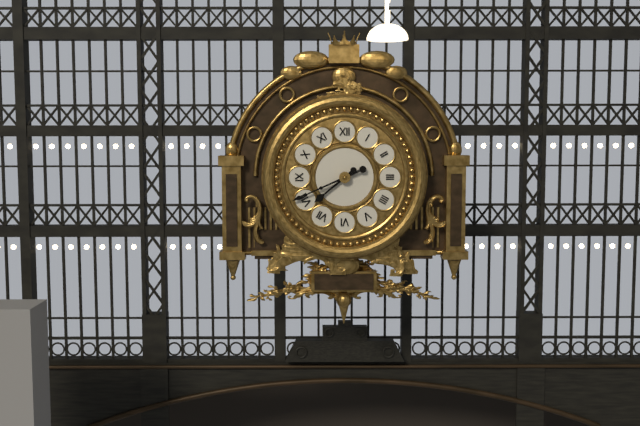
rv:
7.41
